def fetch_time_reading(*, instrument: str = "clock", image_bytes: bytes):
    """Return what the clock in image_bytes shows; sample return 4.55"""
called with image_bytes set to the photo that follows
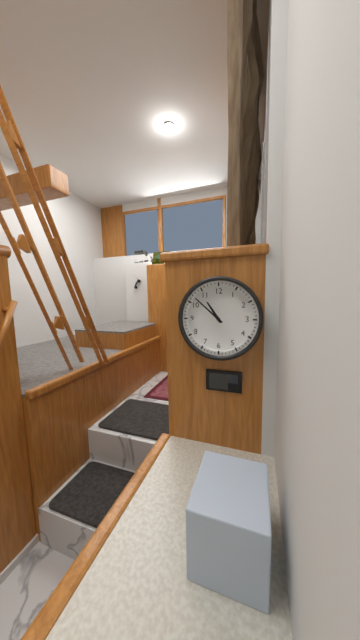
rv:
10.52
